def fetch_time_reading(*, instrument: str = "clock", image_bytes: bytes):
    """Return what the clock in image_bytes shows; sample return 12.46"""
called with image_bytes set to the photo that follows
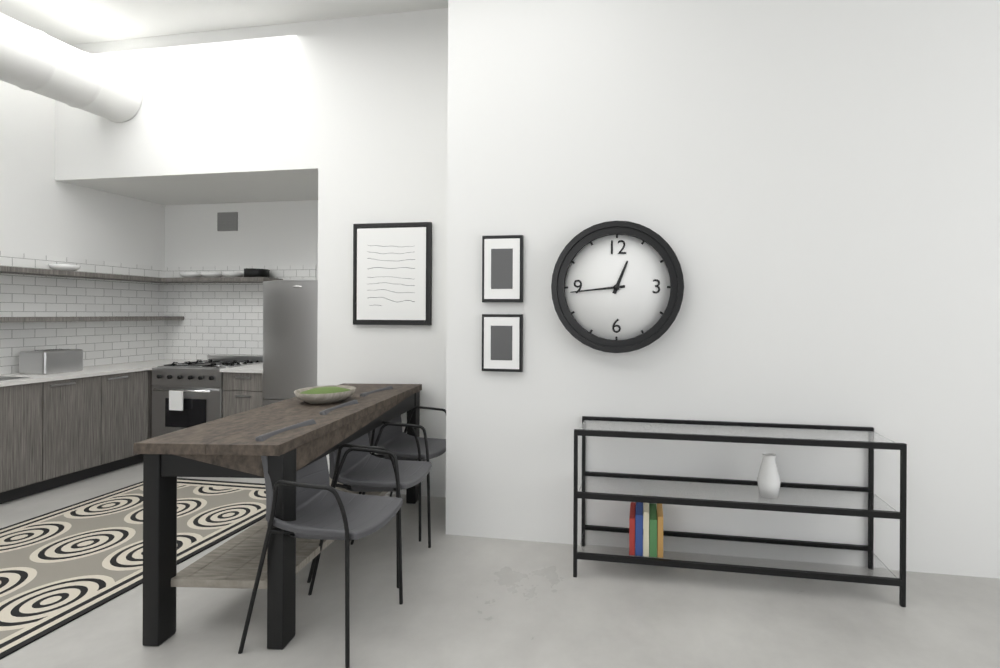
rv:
12.44
